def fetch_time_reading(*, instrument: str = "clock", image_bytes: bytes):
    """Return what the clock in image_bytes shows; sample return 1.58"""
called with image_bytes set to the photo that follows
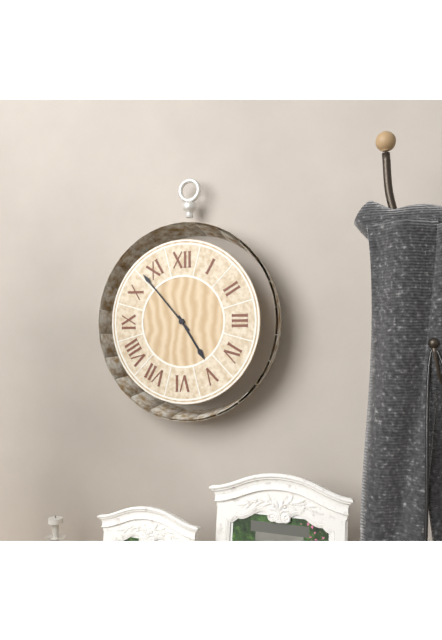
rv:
4.53
